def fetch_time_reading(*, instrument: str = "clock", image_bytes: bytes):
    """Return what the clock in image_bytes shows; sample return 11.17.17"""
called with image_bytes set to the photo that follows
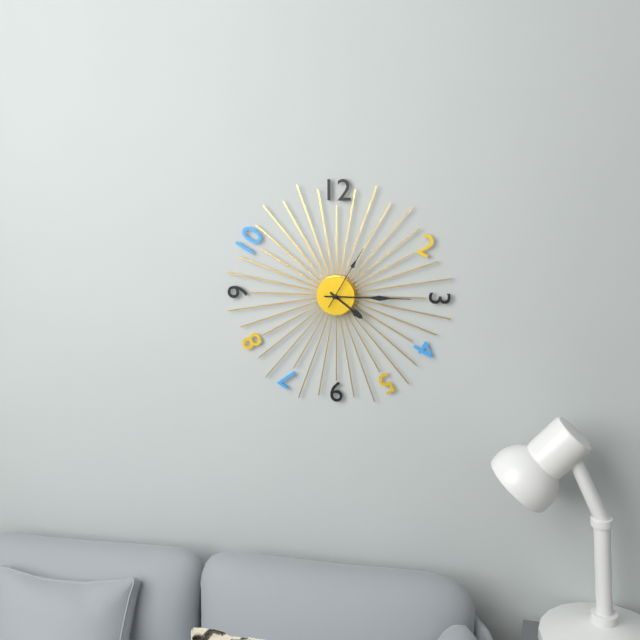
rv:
4.15.05
